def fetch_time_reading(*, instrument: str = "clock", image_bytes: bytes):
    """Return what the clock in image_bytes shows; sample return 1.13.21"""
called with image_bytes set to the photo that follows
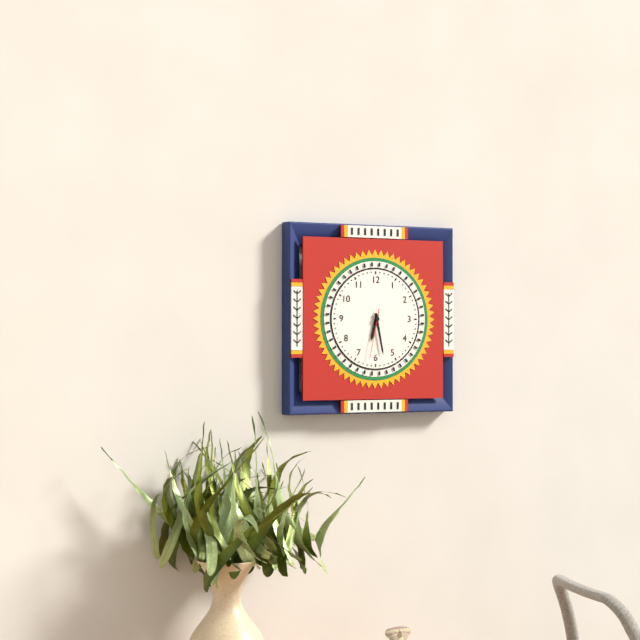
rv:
6.28.32
